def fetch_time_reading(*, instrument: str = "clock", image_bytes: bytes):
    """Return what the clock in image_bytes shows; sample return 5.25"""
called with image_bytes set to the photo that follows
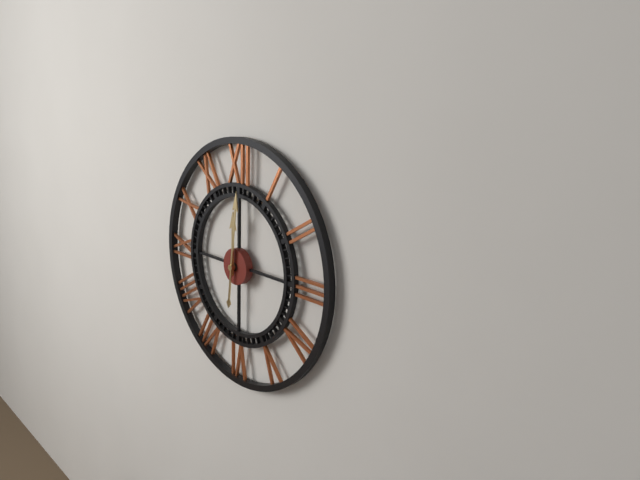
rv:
12.01
